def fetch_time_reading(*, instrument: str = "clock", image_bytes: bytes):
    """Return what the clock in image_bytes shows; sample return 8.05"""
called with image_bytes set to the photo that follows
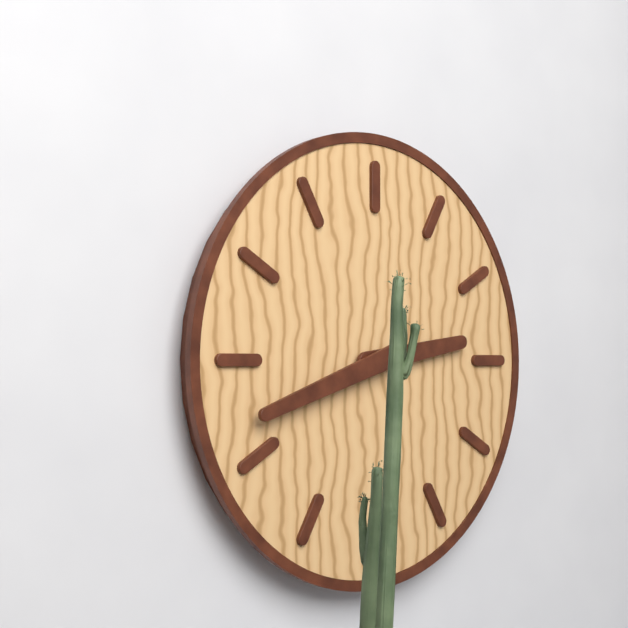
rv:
2.42
